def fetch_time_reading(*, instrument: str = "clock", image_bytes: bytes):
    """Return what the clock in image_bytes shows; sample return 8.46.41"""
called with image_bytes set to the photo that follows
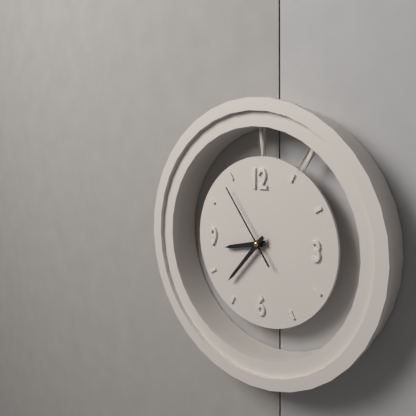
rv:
8.37.54
